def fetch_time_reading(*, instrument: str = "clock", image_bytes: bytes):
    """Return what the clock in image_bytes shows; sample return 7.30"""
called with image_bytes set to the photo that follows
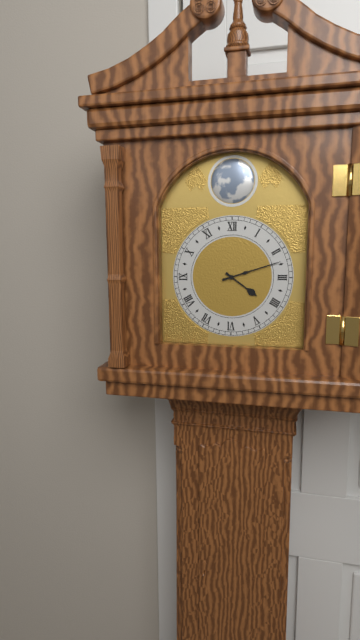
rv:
4.12
